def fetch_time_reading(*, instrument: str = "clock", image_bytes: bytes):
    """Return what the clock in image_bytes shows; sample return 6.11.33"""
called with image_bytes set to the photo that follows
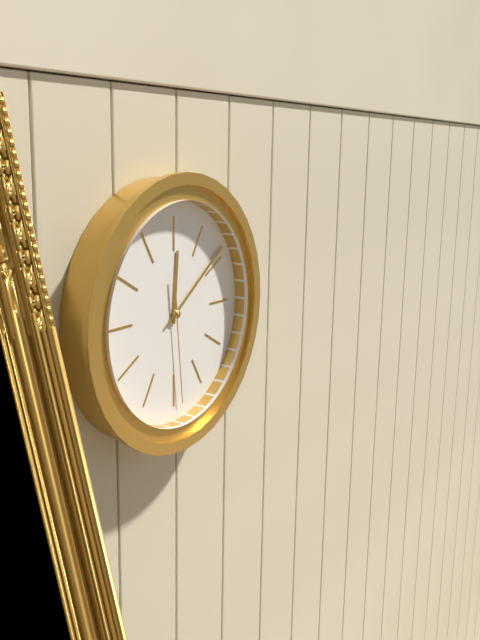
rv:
12.09.29
